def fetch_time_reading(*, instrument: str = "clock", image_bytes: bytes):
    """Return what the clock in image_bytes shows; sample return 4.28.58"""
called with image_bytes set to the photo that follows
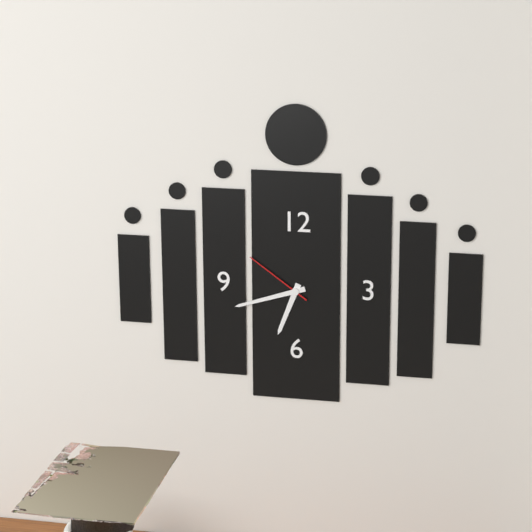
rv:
6.42.51
